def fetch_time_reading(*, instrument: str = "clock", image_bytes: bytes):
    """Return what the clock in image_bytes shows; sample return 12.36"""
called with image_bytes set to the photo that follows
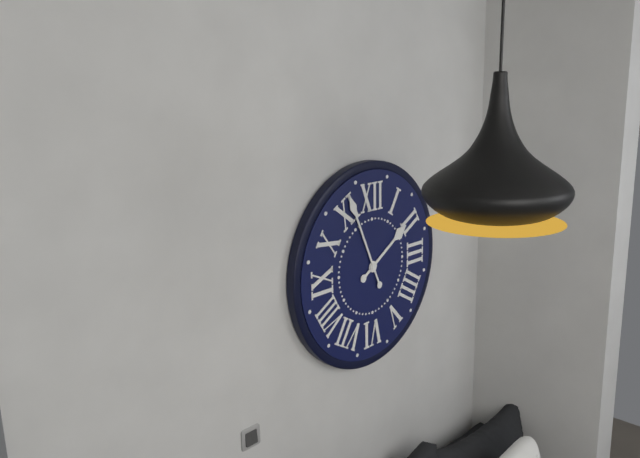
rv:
1.56
